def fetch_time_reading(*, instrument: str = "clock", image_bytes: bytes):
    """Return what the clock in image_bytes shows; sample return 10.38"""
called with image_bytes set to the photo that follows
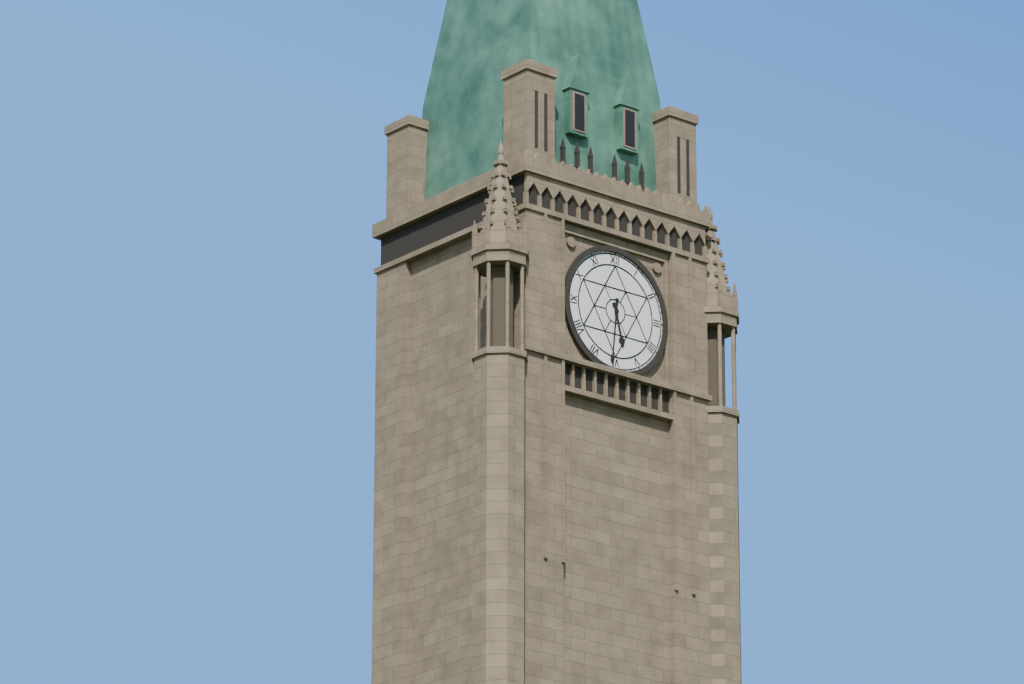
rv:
5.31
